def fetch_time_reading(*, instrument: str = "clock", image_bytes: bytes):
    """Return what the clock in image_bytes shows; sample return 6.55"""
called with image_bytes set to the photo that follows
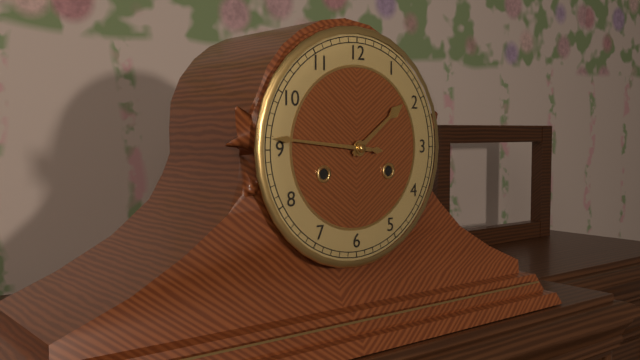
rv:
1.46
